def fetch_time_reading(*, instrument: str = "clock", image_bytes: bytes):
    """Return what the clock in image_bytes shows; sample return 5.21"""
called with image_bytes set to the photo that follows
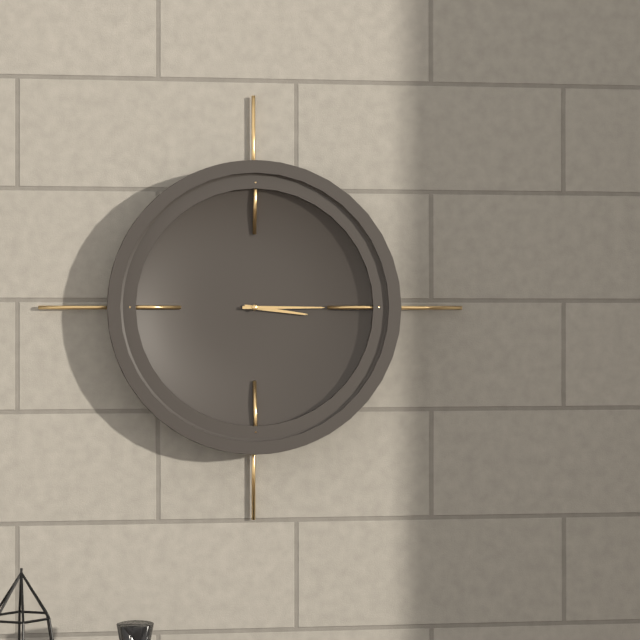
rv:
3.15
